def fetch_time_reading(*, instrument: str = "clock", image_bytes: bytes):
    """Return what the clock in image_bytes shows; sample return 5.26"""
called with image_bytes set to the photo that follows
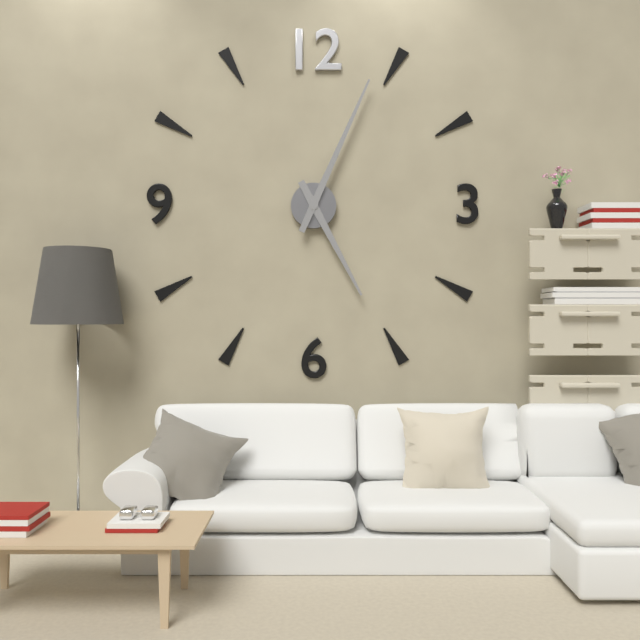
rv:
5.04
